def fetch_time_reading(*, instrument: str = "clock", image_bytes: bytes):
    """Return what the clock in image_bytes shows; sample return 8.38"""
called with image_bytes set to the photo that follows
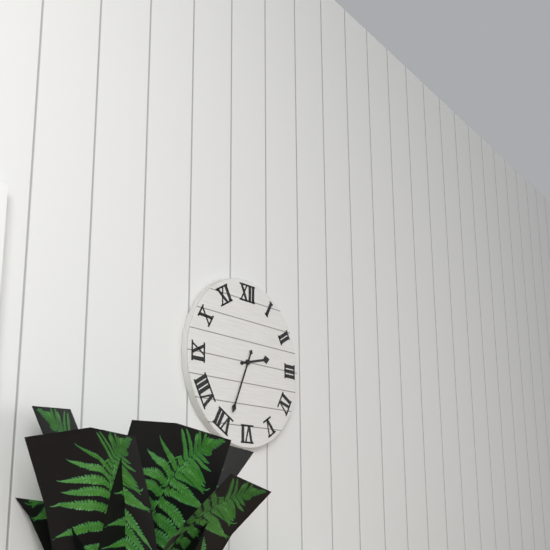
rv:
2.34
